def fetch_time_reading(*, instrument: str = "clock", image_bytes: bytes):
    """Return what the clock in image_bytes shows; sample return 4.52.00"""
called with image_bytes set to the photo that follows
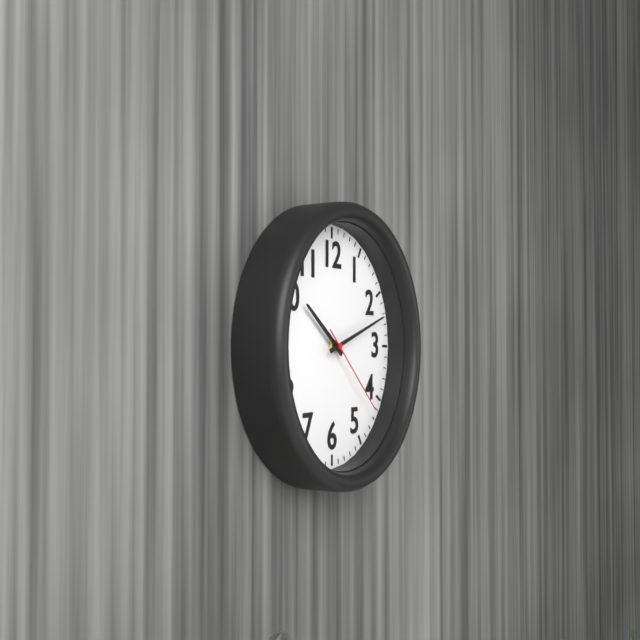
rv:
10.12.22
